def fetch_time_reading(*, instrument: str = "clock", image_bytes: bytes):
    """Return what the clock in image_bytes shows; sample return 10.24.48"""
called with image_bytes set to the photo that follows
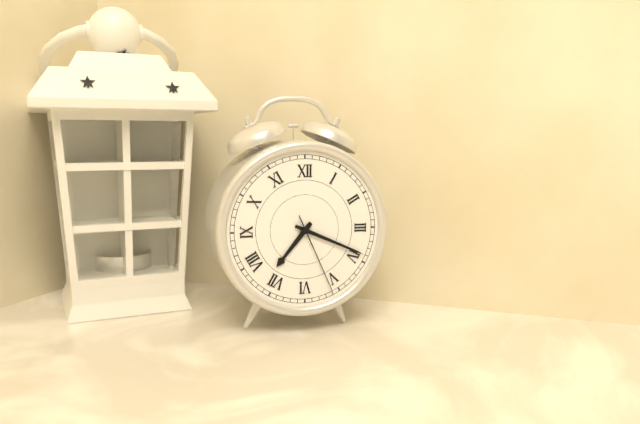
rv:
7.19.26
